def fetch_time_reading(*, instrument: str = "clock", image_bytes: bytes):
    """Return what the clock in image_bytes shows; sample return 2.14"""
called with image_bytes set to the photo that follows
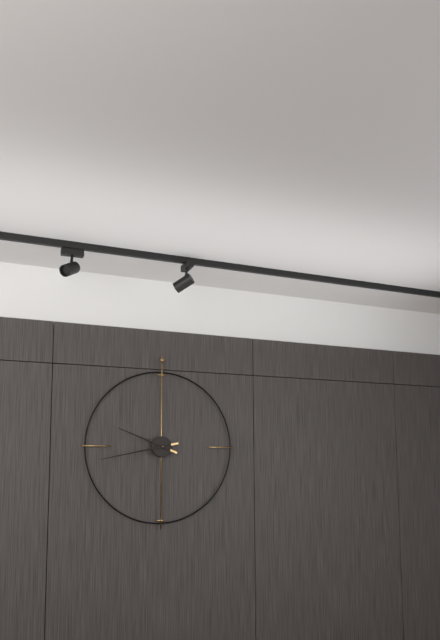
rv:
9.43
